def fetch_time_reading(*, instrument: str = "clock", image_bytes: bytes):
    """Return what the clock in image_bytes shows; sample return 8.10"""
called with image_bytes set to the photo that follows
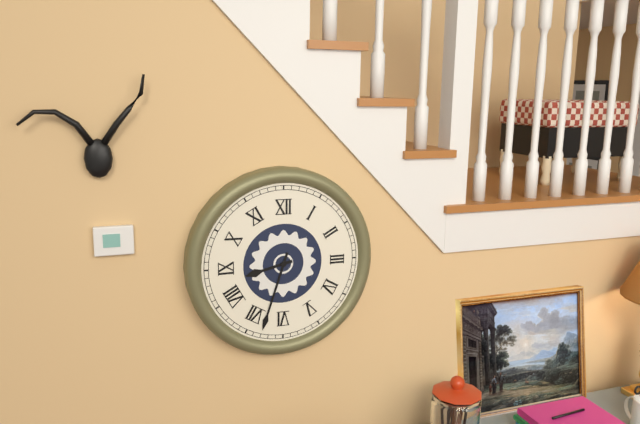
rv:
8.33
